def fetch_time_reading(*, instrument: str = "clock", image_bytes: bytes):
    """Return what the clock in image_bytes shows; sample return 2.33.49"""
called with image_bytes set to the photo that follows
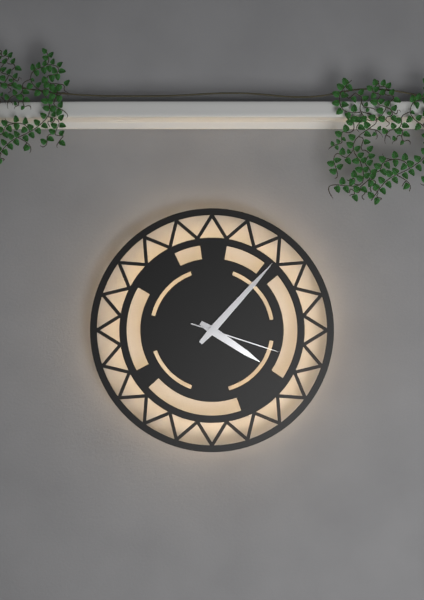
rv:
4.07.18
